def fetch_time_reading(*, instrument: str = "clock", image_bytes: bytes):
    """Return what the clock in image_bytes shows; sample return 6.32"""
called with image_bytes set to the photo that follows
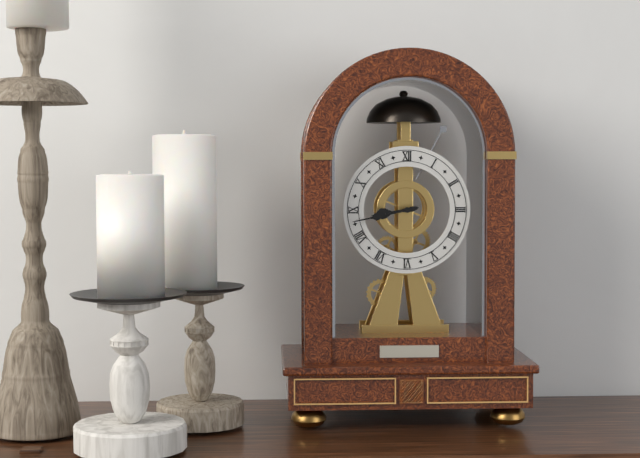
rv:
8.43
